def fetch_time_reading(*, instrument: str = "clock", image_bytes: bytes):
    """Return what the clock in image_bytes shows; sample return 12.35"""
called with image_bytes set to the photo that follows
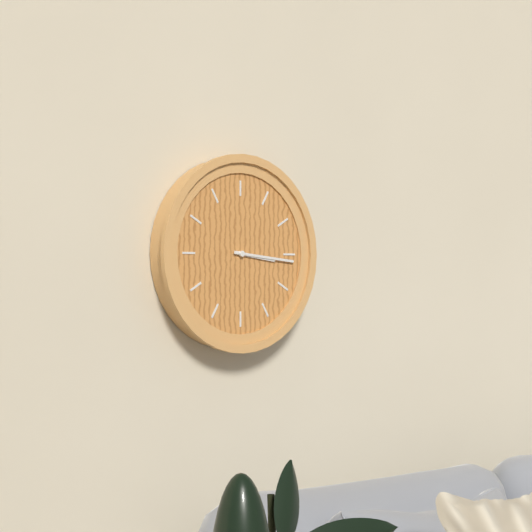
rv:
3.16
